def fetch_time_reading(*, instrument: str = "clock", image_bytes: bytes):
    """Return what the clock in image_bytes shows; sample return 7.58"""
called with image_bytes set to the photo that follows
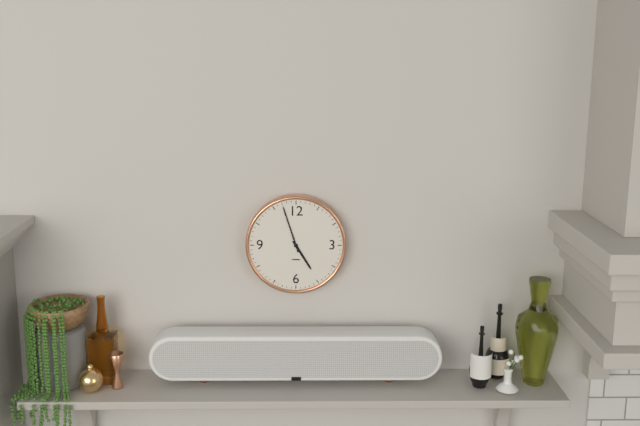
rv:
4.57
